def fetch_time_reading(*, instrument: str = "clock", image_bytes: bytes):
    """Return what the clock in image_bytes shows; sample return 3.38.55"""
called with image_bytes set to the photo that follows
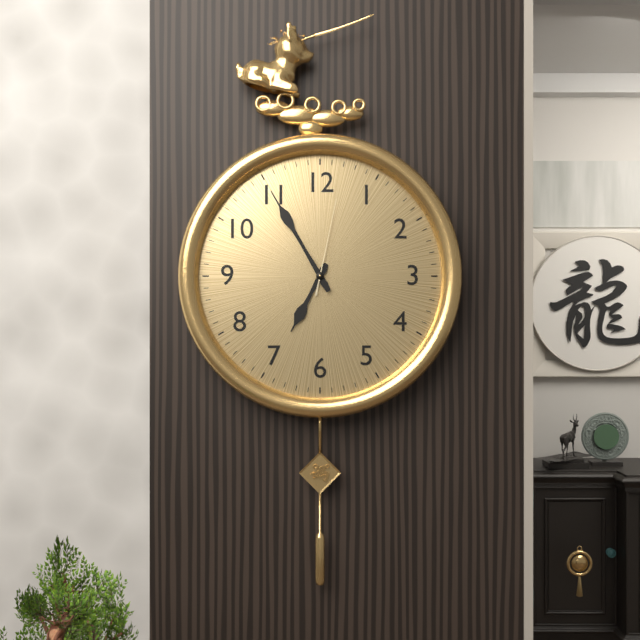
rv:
6.55.02
